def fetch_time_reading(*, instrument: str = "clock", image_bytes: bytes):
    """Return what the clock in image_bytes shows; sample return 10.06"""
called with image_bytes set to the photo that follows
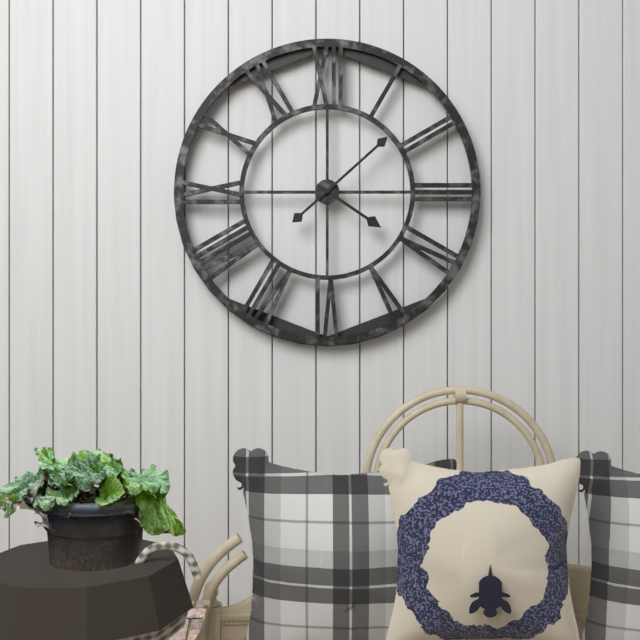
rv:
4.08
